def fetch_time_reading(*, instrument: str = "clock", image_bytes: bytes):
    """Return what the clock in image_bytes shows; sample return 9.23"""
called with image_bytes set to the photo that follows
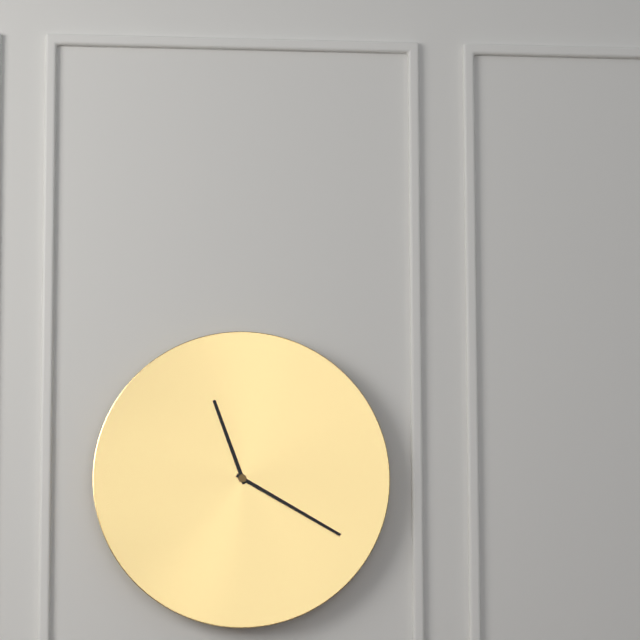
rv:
11.20
